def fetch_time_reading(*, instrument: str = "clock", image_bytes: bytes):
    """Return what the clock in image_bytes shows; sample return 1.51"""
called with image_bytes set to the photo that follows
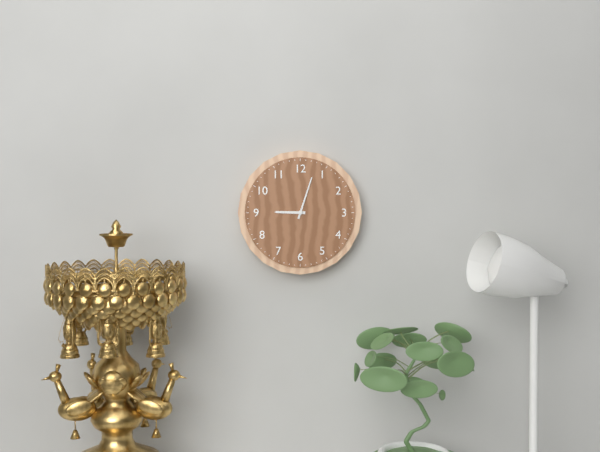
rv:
9.03
